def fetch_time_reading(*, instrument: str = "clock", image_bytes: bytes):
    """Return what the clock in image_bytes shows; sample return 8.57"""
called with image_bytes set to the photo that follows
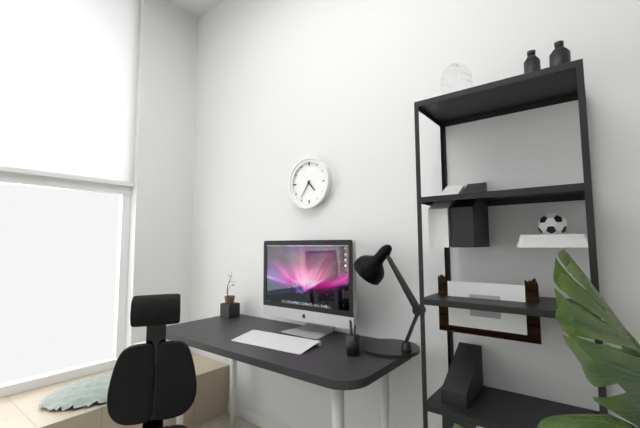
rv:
4.36
